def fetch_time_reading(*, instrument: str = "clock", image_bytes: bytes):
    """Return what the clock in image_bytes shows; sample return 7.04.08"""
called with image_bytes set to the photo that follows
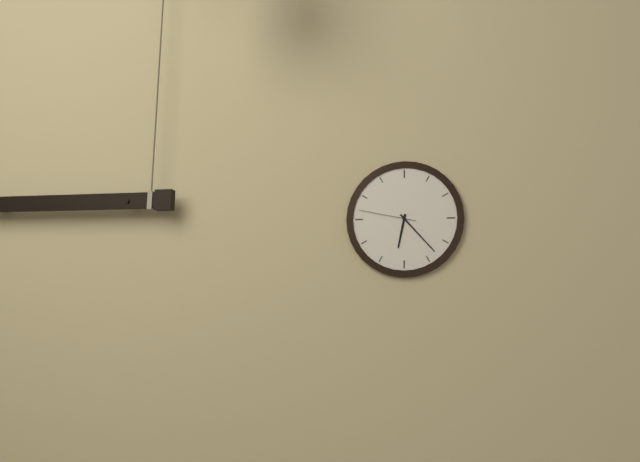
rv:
6.23.47
